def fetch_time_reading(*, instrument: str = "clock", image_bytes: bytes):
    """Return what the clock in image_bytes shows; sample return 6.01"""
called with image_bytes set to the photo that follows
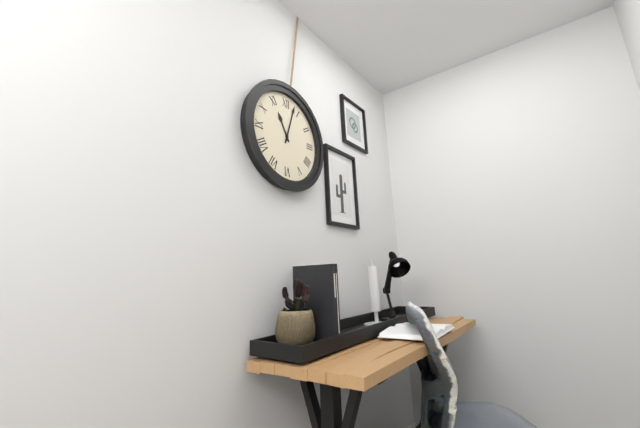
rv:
11.03
